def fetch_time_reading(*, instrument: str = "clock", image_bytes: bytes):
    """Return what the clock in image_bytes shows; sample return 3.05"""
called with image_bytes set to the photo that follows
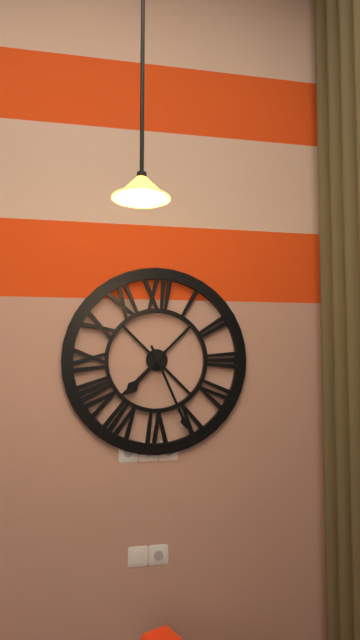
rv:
7.26
